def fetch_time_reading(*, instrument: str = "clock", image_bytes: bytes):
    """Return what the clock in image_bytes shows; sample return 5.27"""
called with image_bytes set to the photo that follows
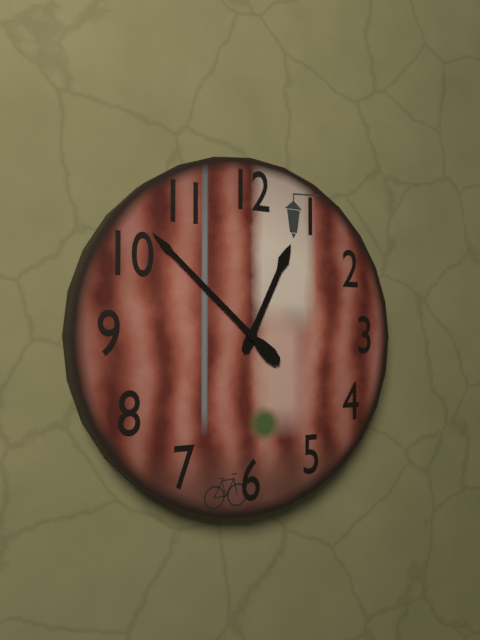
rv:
12.52
